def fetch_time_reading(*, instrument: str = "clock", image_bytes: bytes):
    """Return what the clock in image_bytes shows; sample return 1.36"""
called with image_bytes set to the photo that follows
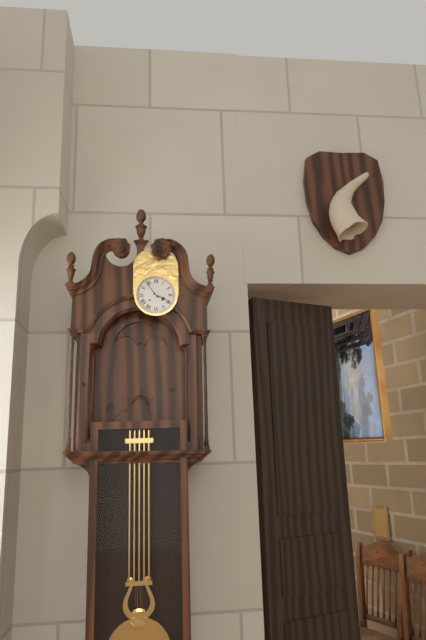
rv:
3.54
